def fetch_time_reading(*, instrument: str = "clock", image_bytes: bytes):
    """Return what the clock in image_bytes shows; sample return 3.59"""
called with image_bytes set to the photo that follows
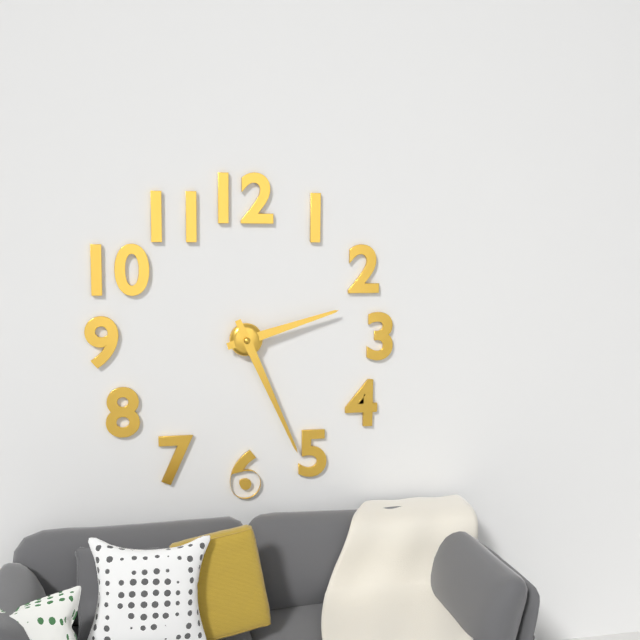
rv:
2.26
